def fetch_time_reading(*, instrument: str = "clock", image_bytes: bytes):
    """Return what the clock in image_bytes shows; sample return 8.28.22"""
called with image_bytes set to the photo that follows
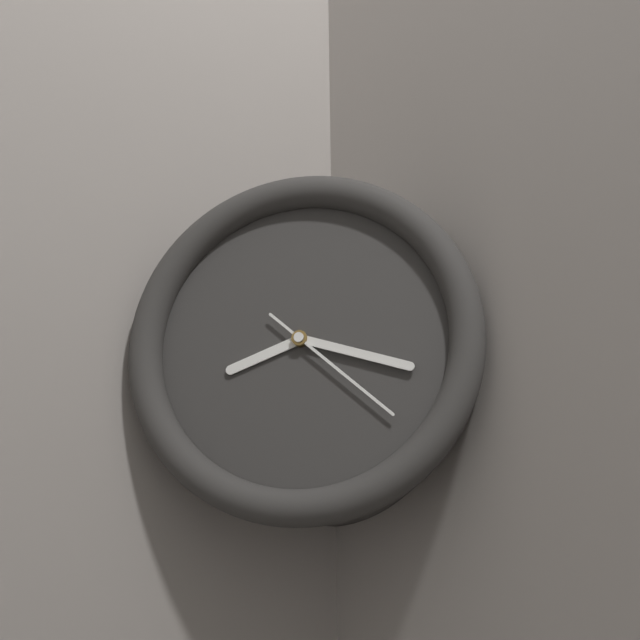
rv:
8.18.22
